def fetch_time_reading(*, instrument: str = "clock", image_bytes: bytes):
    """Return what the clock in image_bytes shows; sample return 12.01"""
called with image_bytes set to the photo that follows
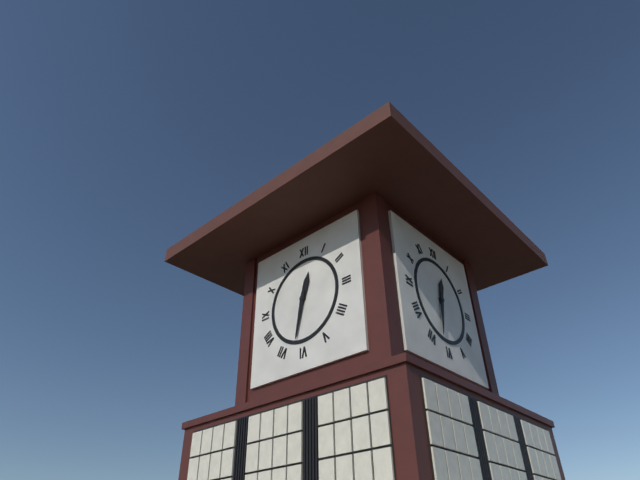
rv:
12.32
